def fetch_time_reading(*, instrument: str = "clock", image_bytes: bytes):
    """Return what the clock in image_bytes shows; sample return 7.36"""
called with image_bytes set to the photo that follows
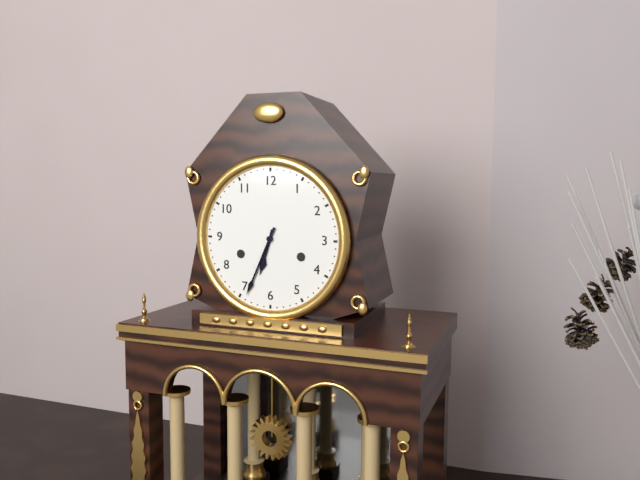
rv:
6.34
